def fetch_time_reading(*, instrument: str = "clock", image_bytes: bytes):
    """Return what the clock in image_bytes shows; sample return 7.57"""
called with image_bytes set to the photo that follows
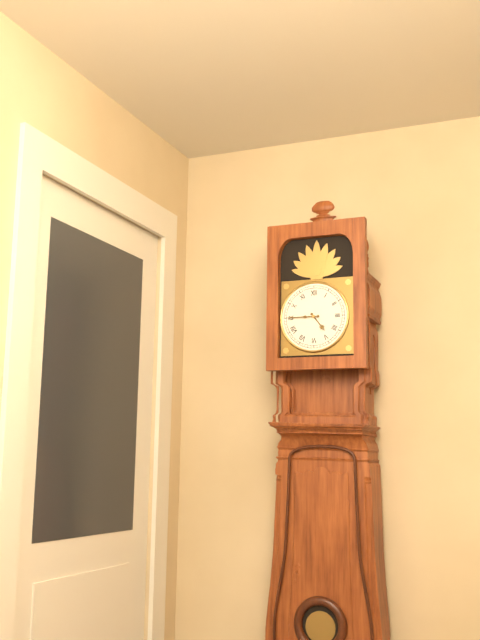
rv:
4.45
